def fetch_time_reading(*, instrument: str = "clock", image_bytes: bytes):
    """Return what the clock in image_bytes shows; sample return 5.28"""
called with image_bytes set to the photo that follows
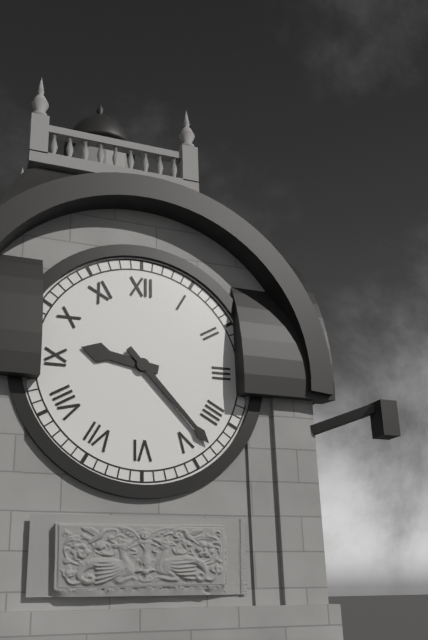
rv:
9.23
